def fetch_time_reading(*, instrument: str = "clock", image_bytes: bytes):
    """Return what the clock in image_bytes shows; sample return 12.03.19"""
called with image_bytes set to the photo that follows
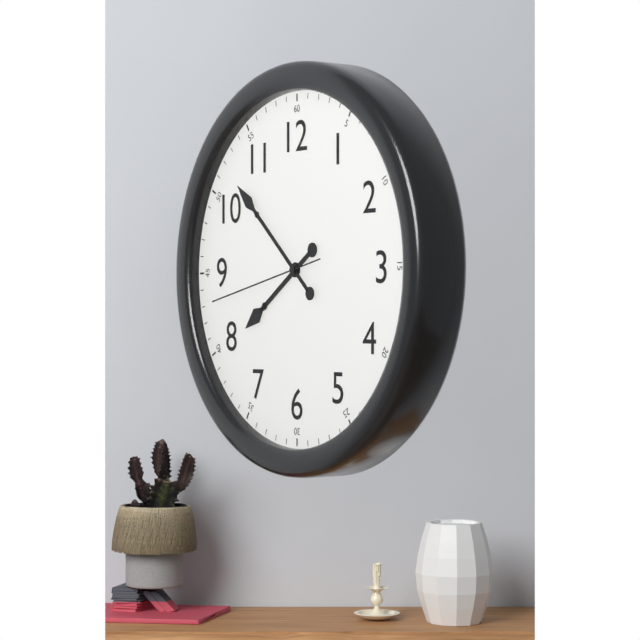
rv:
7.52.43
